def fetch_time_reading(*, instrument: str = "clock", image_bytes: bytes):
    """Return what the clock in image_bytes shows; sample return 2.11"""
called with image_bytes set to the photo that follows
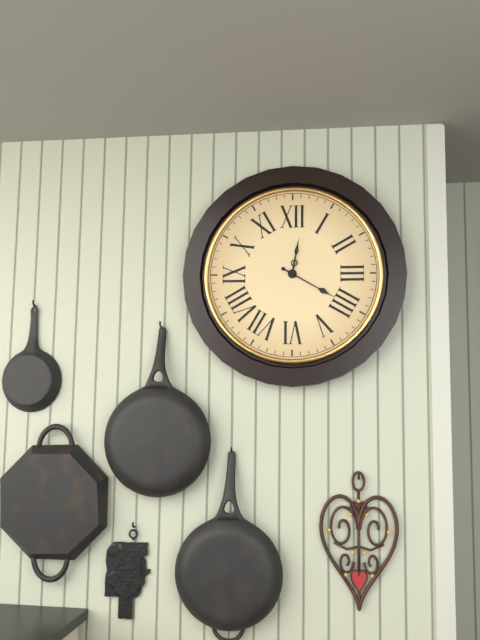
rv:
12.20
